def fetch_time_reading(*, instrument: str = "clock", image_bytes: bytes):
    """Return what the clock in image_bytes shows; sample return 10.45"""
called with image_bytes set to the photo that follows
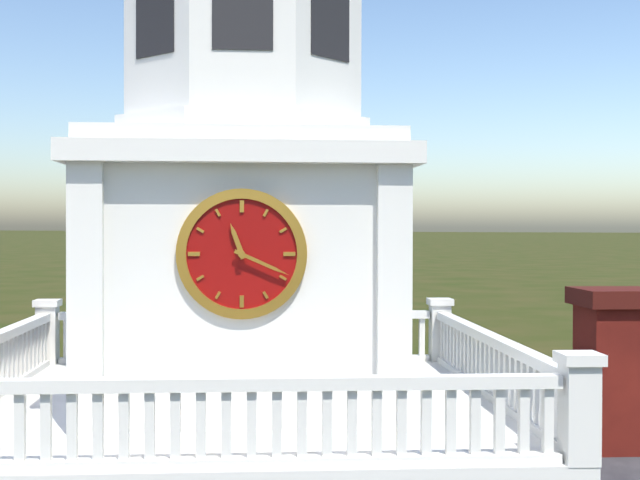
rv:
11.19
